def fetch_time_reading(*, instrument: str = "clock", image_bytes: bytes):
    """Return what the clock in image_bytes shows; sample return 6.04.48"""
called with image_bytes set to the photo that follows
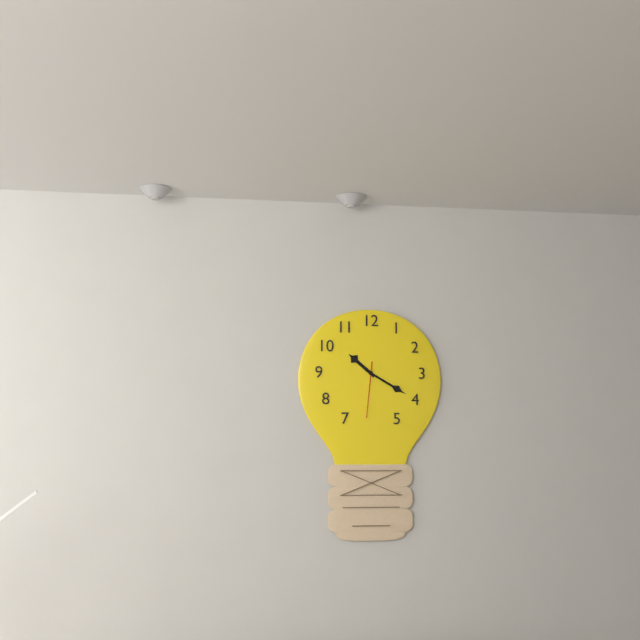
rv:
10.20.31
